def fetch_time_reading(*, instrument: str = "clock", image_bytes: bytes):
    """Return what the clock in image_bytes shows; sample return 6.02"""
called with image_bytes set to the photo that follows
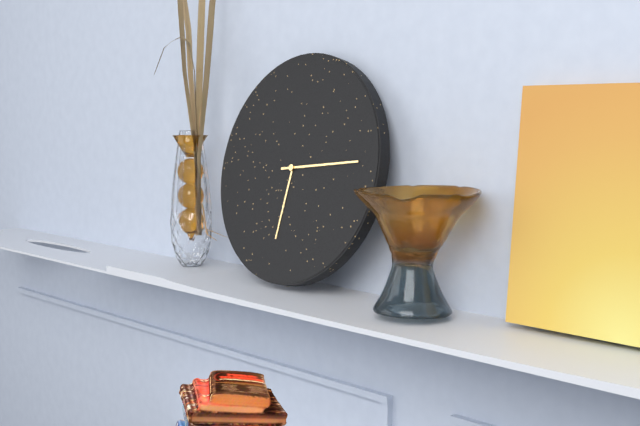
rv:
6.14
